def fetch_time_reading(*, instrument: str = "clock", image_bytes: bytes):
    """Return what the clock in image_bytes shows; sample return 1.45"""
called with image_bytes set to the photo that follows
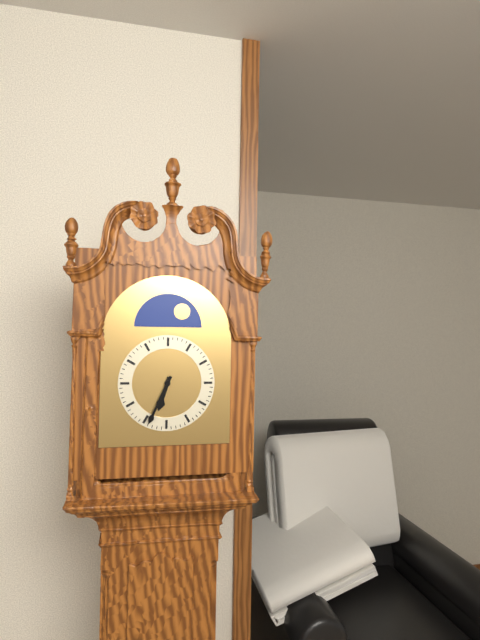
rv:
6.34
